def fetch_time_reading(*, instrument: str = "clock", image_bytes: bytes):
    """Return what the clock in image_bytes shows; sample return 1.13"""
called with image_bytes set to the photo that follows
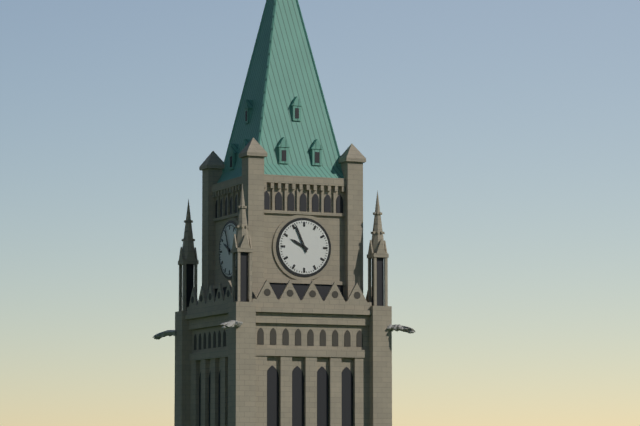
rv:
9.56
